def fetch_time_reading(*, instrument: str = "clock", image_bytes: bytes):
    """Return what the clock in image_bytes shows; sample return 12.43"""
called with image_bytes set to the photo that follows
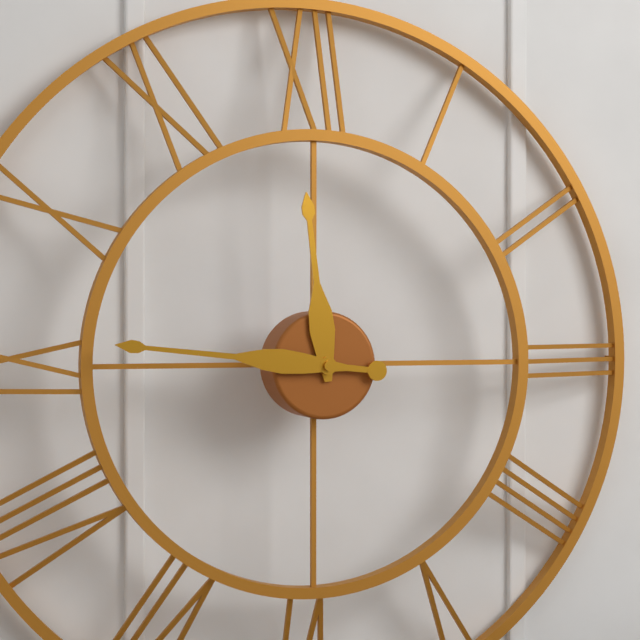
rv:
11.46
